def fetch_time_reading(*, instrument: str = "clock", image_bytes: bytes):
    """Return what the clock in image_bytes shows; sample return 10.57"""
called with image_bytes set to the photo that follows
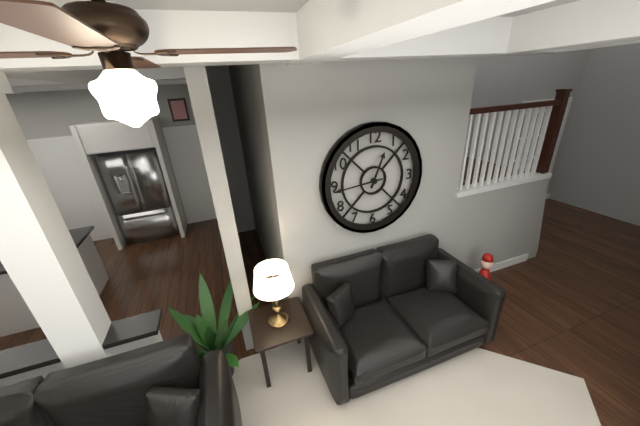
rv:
12.44
